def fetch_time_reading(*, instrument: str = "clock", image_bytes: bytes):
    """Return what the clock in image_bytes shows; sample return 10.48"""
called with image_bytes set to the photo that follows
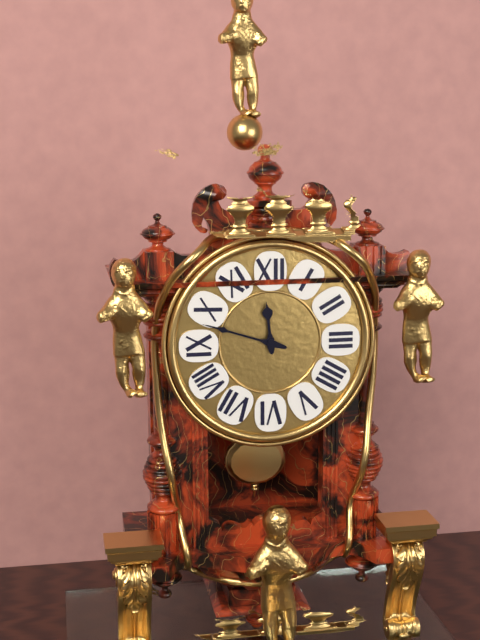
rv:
11.48
